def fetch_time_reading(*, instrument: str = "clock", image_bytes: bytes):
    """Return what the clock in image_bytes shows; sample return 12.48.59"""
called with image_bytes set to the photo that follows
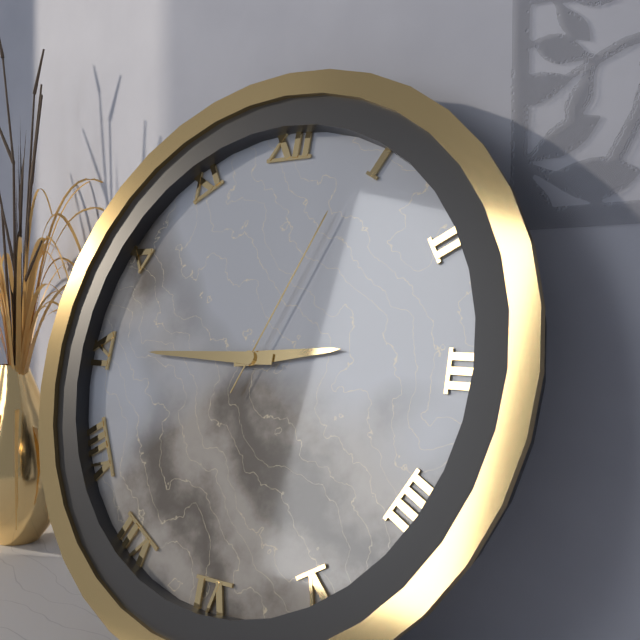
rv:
2.45.04
